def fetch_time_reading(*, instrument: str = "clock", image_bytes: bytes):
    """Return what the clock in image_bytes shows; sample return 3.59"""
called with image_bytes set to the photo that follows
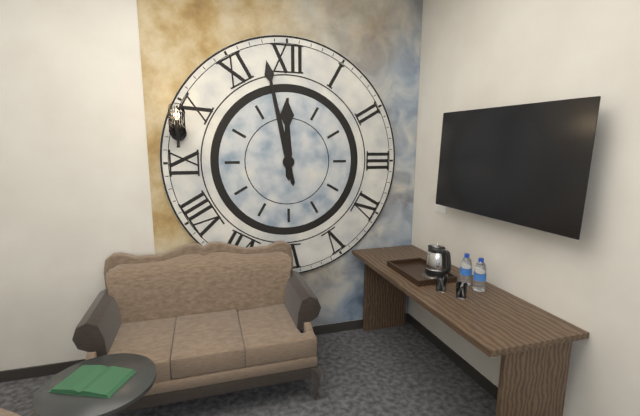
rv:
11.58
